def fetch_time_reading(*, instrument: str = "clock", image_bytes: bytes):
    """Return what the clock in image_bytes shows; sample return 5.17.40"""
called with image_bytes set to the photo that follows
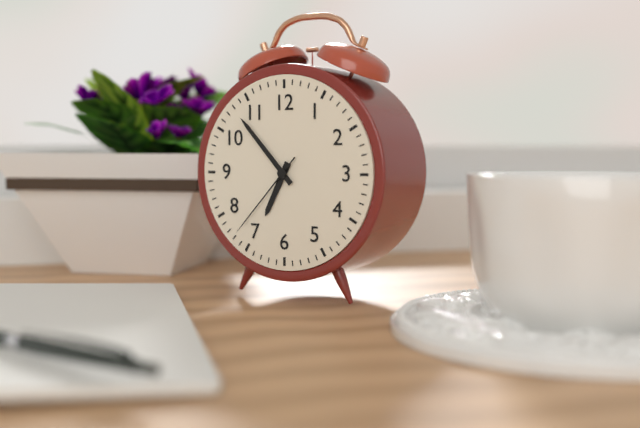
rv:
6.53.37
